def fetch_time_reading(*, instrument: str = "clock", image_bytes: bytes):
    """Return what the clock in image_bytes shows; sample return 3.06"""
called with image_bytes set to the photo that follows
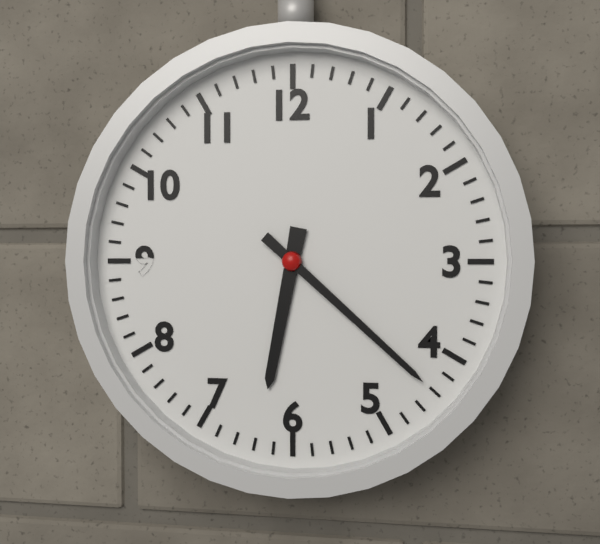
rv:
6.22
